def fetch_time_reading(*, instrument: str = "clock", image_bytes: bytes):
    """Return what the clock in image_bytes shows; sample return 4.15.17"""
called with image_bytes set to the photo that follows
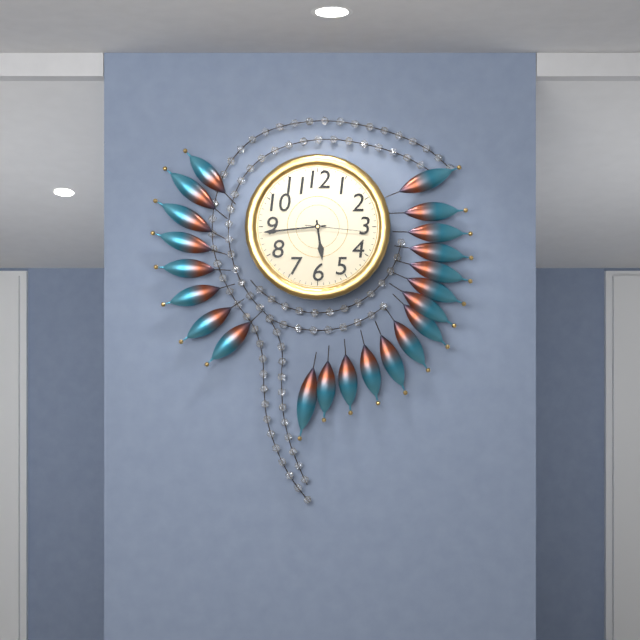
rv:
5.44.16
